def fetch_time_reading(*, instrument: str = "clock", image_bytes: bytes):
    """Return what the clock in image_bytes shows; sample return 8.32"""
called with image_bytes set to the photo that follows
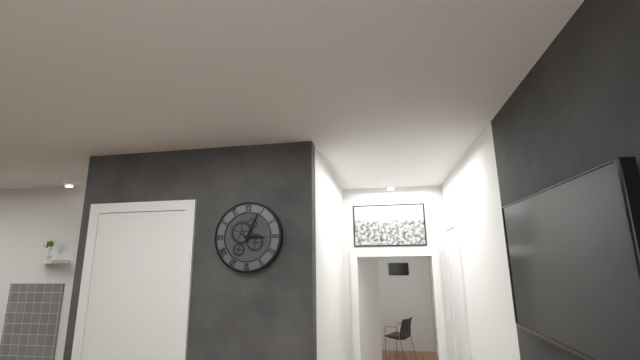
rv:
3.04
